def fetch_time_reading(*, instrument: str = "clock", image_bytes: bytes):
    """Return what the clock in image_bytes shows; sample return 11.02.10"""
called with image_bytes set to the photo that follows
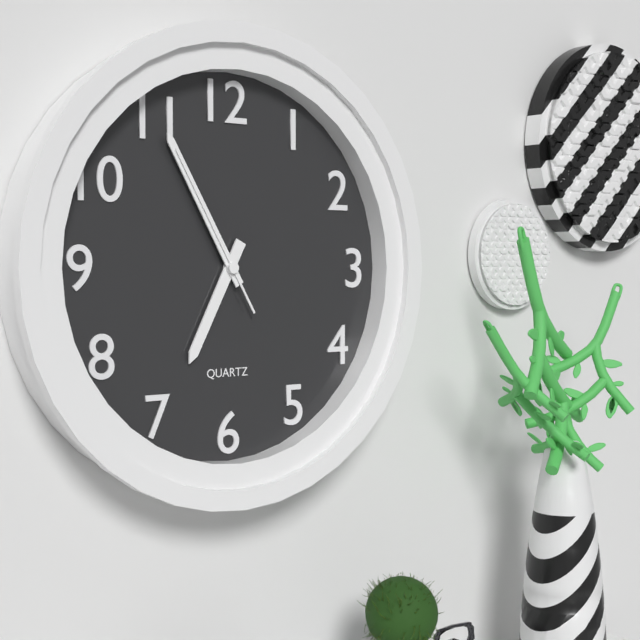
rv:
6.55.55
